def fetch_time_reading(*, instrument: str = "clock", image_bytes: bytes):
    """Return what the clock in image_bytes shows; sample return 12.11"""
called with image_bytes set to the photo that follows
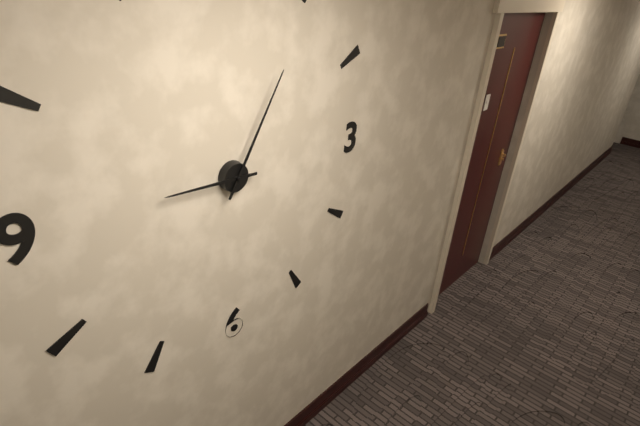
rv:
9.05
